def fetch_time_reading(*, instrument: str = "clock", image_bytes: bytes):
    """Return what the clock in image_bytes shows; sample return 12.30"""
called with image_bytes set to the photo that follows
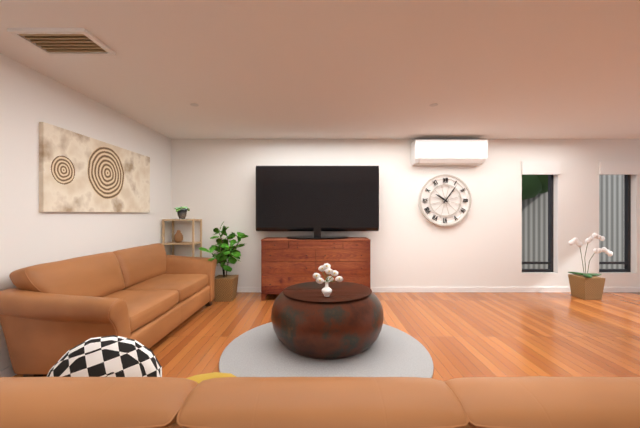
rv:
10.06
